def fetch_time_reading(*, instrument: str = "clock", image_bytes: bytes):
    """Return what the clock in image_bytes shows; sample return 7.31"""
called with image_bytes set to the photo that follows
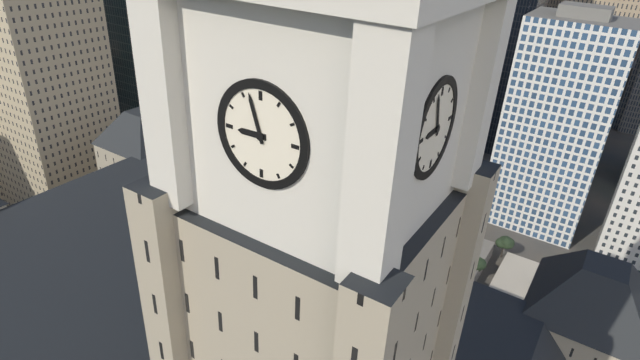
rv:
8.57
